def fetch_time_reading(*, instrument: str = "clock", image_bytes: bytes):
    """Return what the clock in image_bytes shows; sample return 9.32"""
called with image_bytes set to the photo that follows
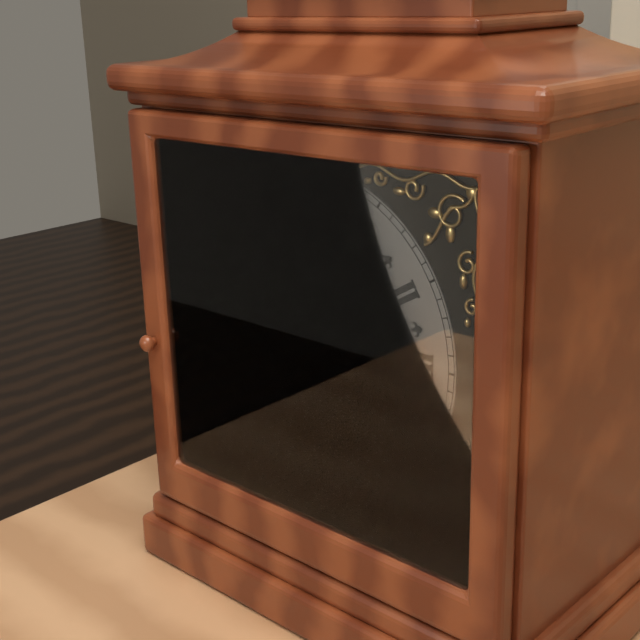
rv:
2.52
